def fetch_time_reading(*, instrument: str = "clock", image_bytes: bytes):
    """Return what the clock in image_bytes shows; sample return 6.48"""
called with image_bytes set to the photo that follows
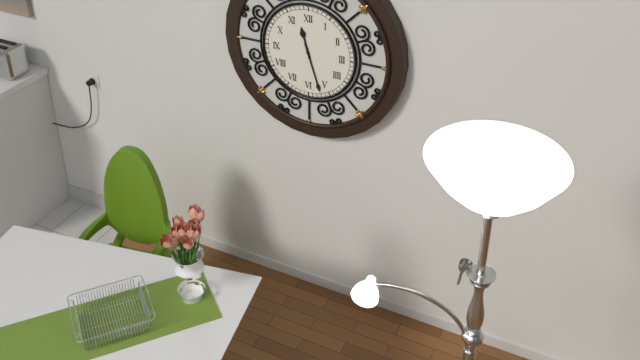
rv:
11.27
